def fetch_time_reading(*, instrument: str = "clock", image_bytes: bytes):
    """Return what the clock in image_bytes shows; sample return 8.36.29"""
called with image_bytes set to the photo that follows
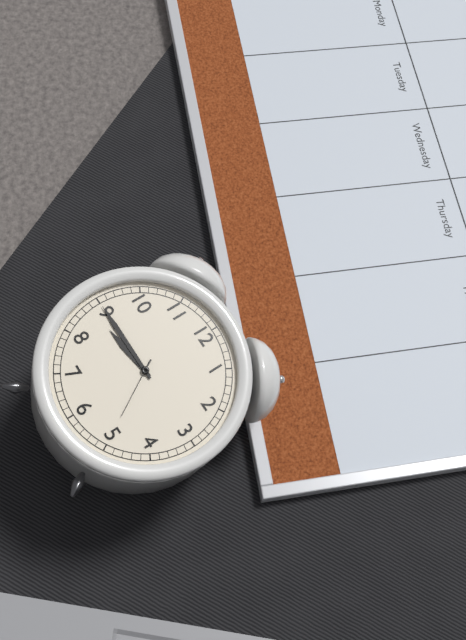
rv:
8.45.25
